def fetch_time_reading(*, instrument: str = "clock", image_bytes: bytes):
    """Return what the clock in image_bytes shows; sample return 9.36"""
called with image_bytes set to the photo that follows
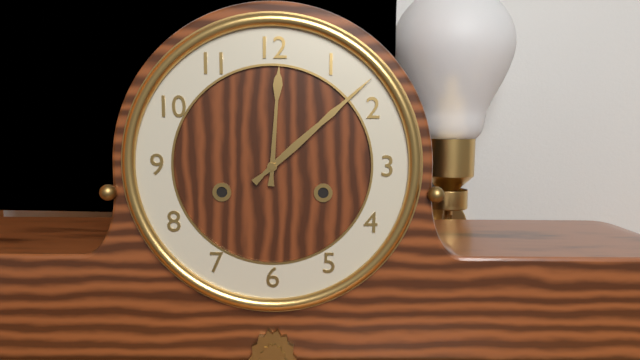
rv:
12.08
